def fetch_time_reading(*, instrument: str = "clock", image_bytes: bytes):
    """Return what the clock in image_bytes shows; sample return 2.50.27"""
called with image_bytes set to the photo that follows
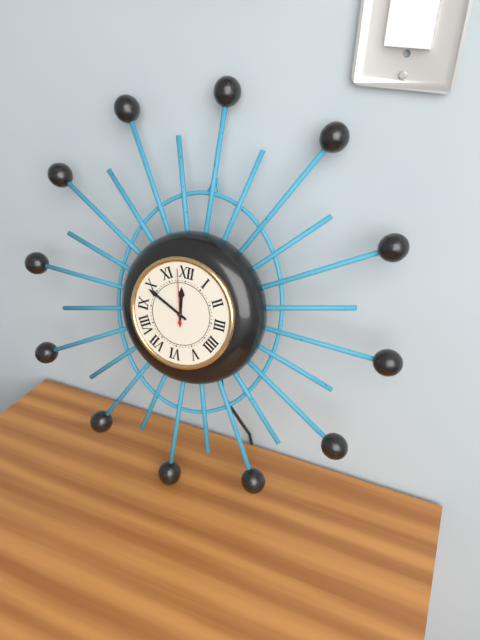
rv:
11.49.58
